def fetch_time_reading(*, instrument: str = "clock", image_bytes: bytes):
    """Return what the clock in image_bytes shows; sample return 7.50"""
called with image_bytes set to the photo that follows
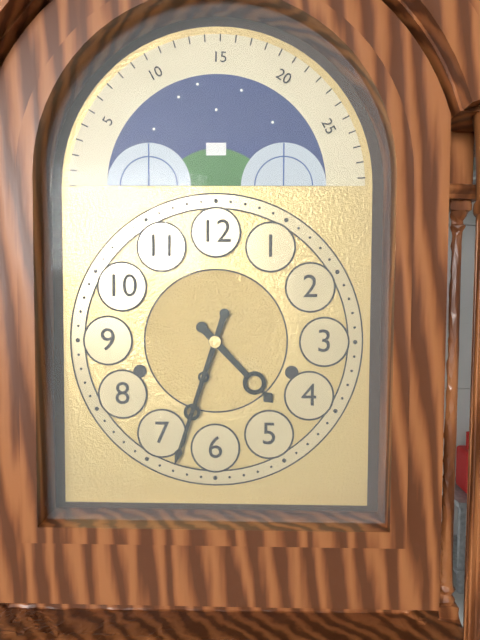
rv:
4.33
